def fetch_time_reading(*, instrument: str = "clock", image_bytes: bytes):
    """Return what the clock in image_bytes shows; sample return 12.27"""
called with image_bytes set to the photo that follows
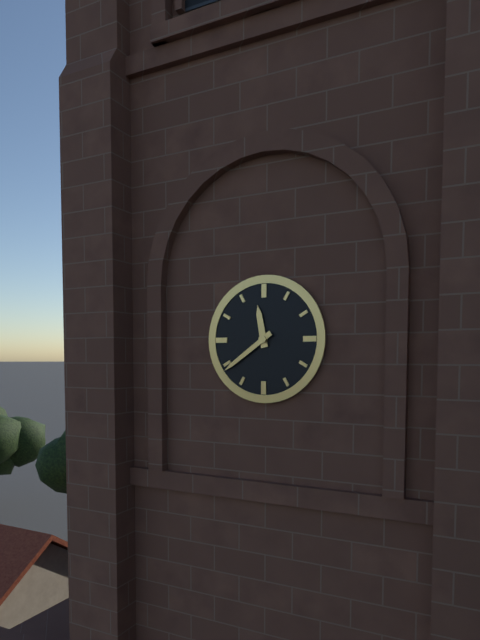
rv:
11.39
